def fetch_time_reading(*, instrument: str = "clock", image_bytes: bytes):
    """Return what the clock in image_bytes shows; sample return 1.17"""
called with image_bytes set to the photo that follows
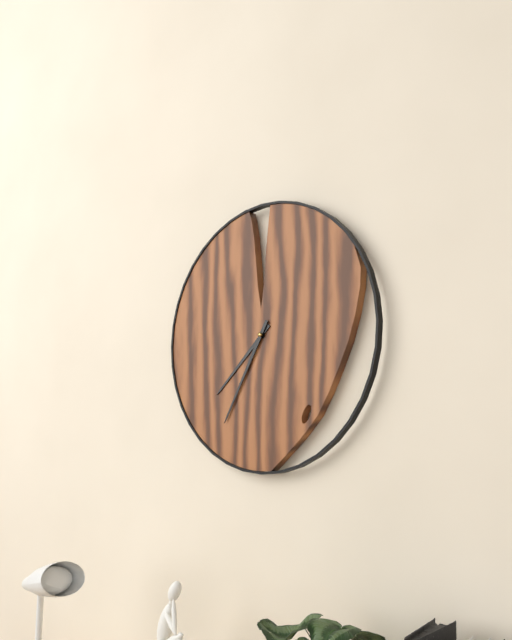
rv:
7.35
